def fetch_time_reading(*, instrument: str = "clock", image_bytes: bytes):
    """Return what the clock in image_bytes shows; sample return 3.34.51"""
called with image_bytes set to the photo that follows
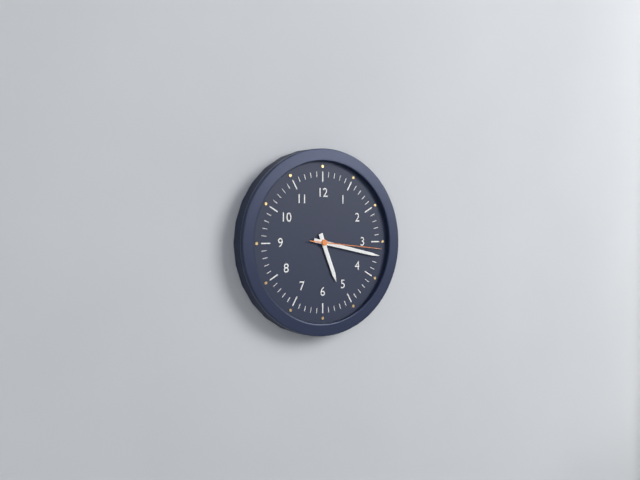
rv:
5.17.16
